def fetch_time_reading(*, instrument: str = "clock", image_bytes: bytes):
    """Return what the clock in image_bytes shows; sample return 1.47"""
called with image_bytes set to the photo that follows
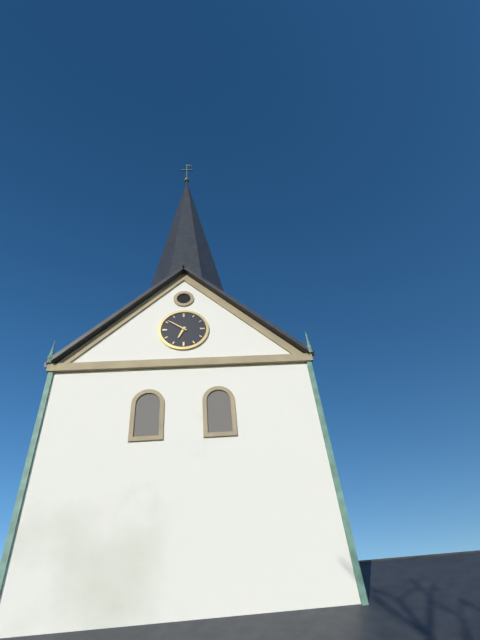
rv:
6.51
